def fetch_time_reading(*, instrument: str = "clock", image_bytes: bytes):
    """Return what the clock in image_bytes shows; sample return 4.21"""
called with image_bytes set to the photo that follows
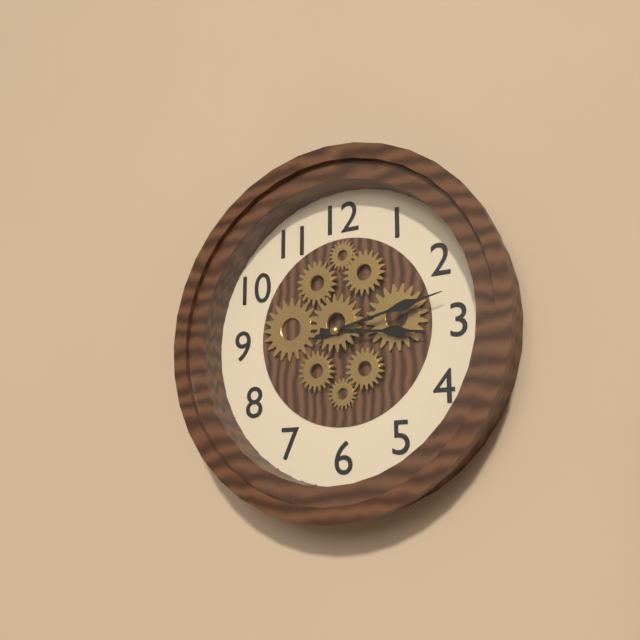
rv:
3.13
